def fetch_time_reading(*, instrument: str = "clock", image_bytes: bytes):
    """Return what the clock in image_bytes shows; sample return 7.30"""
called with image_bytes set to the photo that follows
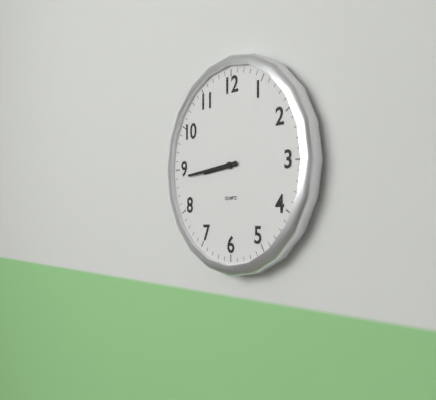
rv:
8.44
